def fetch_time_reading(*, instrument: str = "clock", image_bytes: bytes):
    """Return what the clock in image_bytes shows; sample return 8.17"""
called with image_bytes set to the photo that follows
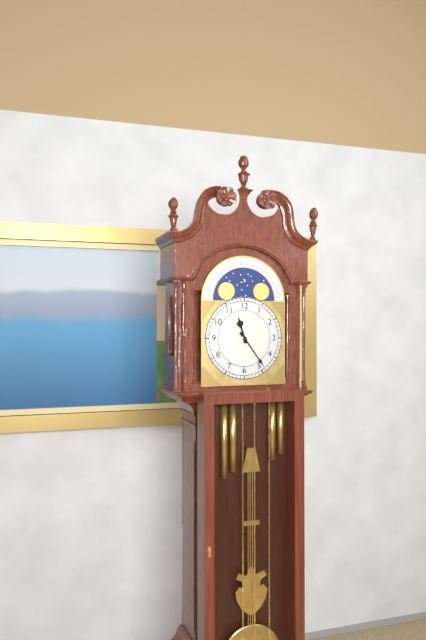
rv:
11.24
